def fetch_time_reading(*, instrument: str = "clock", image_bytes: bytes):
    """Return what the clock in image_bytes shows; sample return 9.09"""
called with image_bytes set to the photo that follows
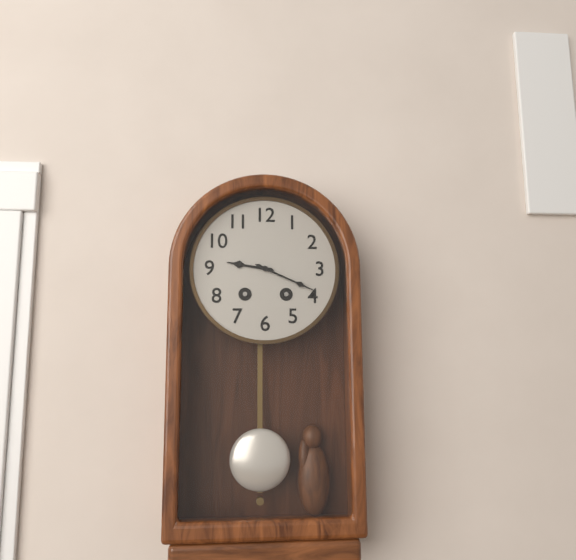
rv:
9.19
